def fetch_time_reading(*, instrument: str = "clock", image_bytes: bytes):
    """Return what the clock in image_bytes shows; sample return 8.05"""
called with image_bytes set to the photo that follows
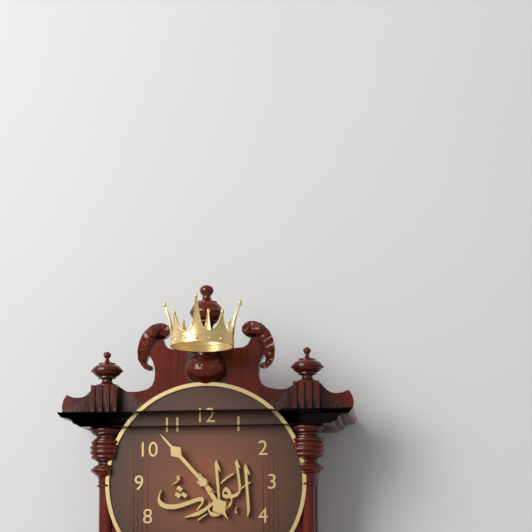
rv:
4.53
